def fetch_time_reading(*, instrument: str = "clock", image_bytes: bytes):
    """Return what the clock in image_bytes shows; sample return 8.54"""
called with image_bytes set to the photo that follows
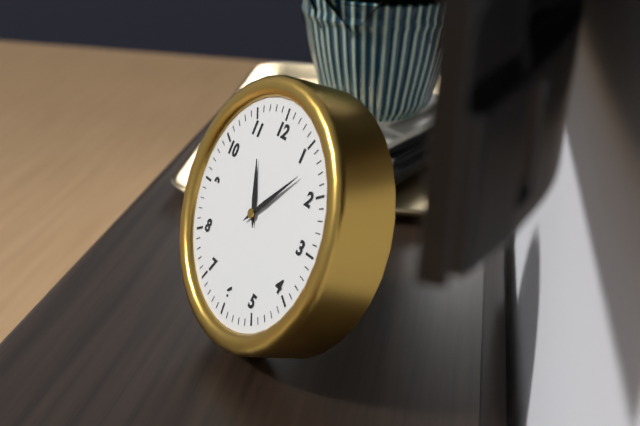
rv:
11.07
